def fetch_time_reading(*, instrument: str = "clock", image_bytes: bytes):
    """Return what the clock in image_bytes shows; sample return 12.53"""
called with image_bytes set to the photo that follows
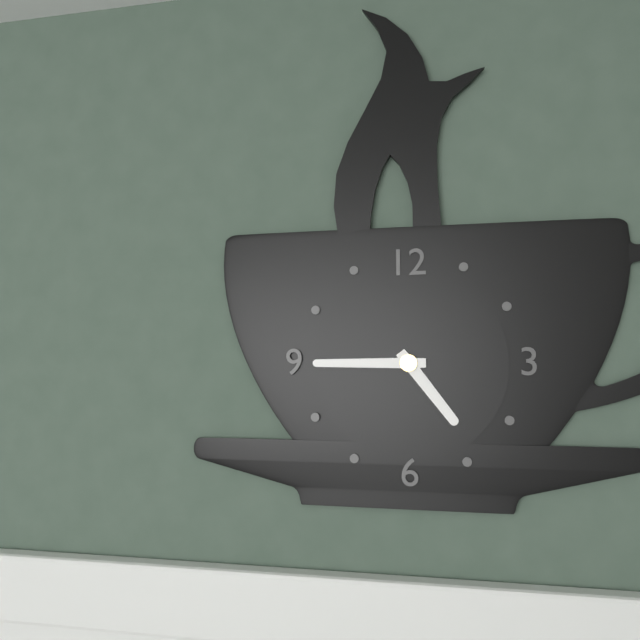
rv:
4.45
